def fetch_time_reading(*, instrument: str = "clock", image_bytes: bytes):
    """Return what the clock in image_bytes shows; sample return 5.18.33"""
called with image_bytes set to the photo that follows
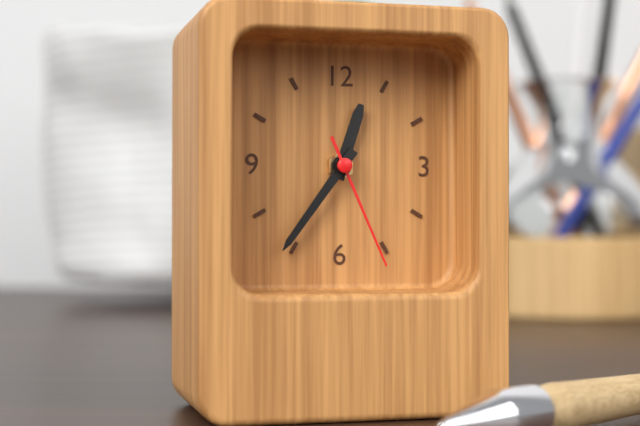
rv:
12.36.26
